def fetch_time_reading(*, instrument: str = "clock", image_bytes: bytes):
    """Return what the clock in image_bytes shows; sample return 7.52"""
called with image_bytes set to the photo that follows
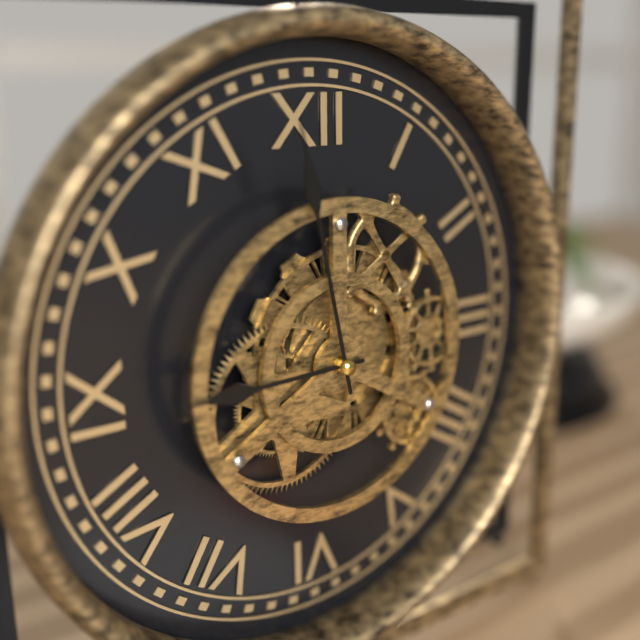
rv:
8.58
